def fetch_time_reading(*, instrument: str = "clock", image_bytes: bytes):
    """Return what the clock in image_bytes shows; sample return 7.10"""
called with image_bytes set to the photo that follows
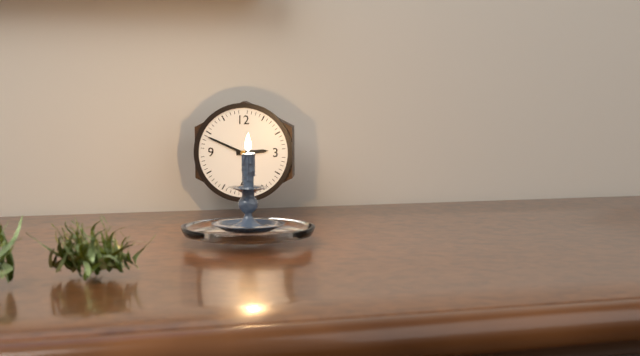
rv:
2.49
